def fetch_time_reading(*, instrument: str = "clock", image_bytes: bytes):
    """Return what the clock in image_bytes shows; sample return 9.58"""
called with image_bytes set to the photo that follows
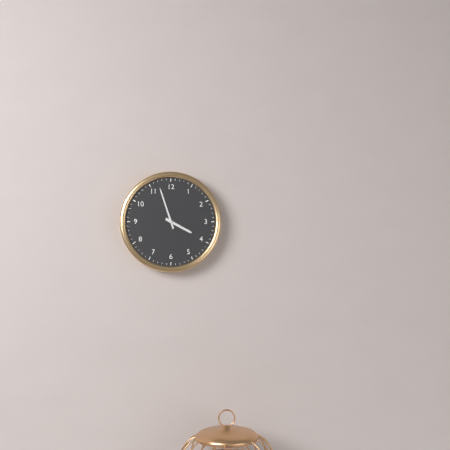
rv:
3.57
